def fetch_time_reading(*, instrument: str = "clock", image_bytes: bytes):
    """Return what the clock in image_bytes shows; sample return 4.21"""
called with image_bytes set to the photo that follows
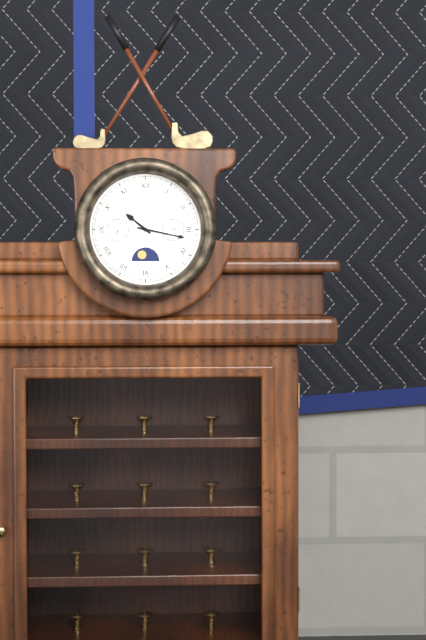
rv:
10.17
